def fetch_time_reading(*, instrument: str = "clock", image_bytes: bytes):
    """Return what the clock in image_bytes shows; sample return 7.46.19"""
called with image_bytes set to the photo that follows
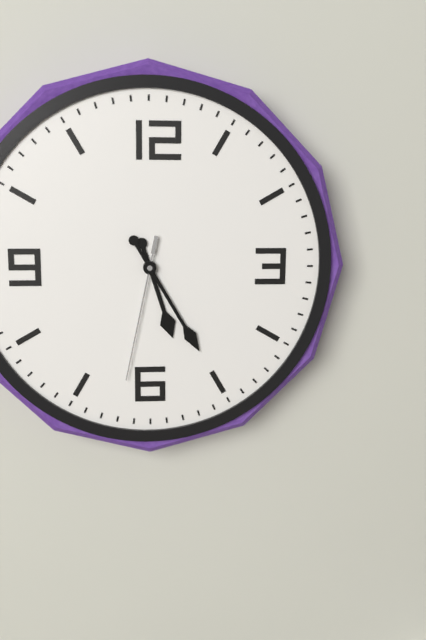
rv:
5.25.32
